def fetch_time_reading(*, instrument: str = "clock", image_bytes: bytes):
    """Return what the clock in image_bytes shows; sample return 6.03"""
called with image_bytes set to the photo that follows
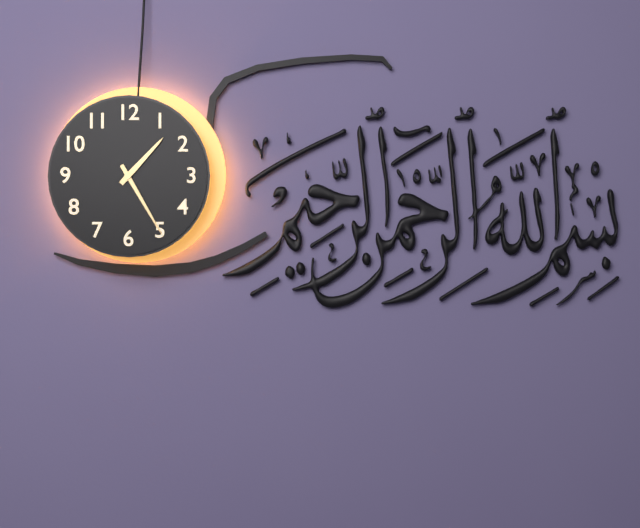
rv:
1.25
